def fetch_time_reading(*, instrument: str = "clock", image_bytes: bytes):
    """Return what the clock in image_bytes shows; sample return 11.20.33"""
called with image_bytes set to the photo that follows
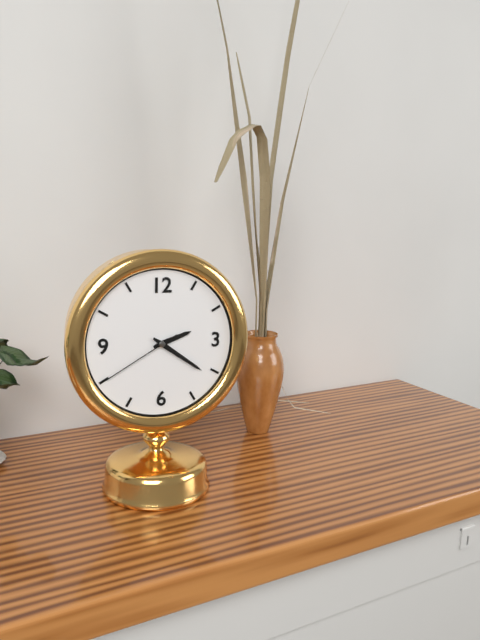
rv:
2.21.40
